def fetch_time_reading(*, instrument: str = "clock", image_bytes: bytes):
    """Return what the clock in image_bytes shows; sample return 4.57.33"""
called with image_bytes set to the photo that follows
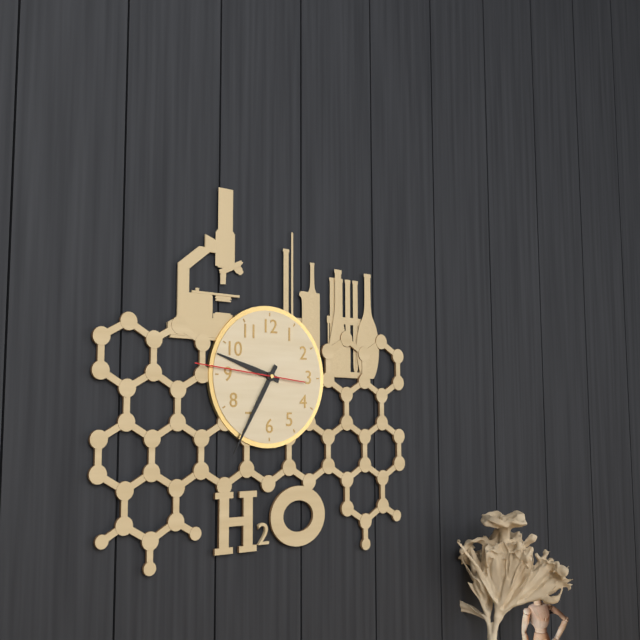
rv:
9.35.46
